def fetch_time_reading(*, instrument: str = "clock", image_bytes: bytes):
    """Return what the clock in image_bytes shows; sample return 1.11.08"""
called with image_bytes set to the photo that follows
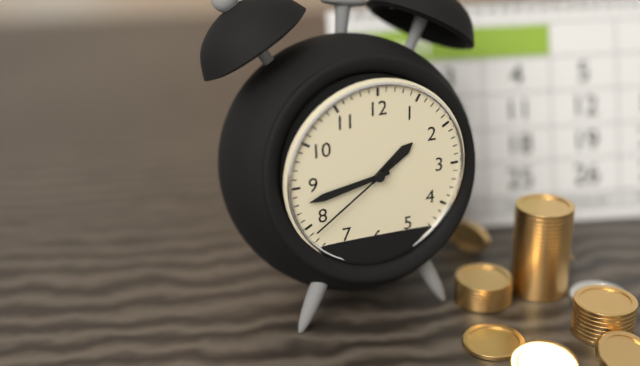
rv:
1.43.39
